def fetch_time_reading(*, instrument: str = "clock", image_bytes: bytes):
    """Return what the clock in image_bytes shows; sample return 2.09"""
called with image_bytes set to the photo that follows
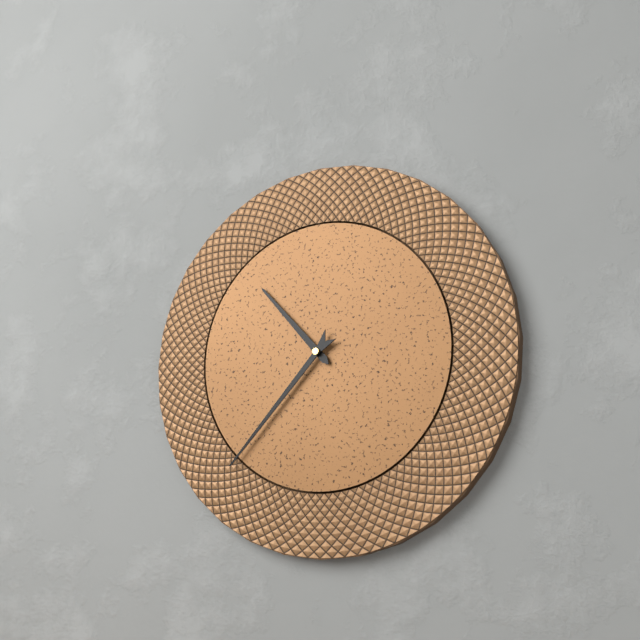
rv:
10.37
